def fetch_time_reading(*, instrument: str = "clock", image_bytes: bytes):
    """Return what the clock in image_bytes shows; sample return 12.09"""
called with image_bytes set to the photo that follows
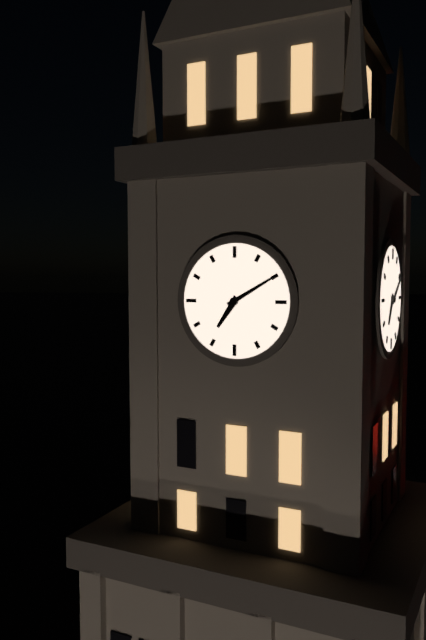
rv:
7.10
